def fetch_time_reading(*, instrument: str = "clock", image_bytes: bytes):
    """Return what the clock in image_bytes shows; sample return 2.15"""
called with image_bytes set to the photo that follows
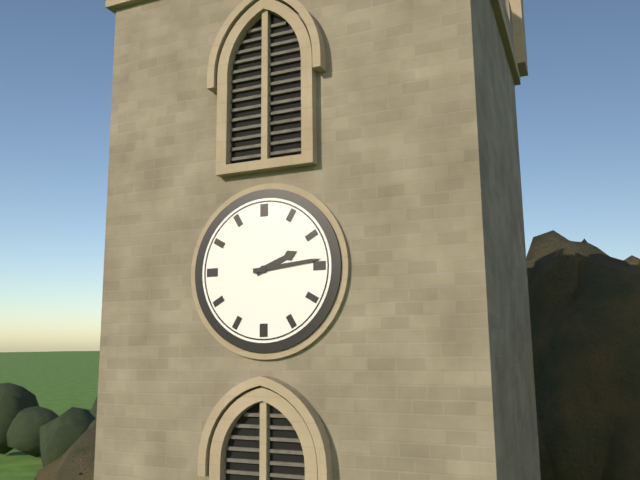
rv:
2.14
